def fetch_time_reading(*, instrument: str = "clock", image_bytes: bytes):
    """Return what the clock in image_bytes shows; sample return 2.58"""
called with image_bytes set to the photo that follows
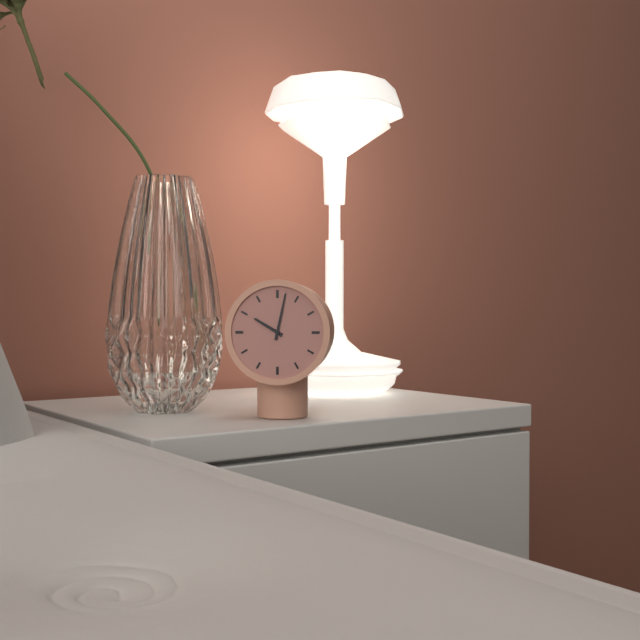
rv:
10.02
